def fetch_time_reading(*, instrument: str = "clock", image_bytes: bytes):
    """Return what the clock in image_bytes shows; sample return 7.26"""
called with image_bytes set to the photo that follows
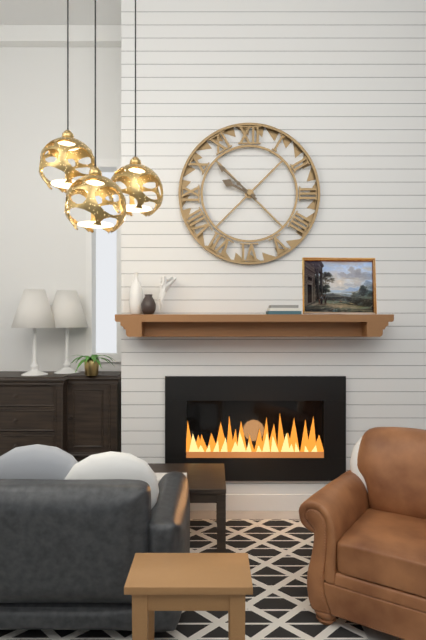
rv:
9.52
